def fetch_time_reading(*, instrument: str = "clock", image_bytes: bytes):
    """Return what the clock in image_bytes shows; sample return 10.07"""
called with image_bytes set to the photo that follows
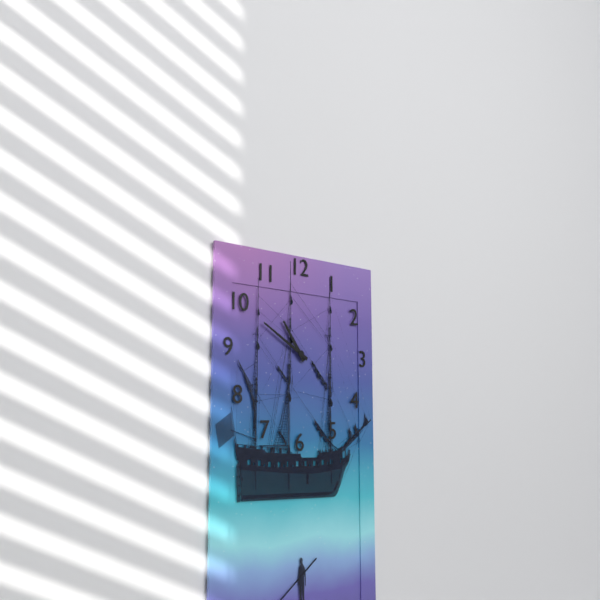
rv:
10.50
